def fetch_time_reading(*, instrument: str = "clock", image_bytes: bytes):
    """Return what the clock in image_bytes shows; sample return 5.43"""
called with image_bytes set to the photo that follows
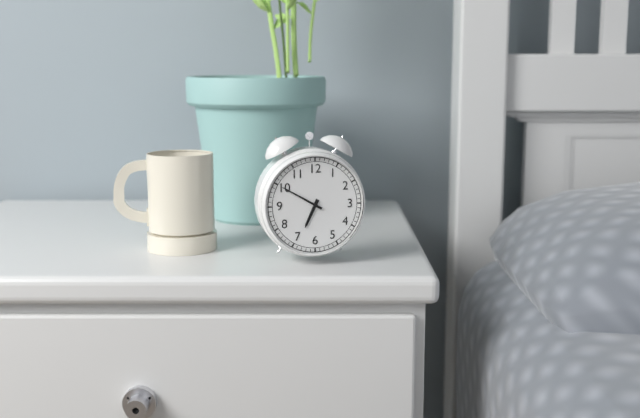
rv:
6.50
